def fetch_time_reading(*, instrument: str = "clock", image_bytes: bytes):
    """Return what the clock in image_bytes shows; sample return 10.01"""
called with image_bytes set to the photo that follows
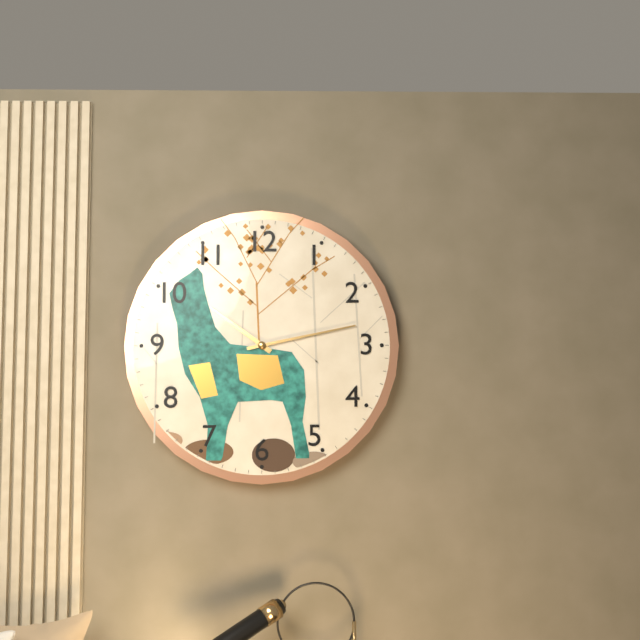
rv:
10.13
